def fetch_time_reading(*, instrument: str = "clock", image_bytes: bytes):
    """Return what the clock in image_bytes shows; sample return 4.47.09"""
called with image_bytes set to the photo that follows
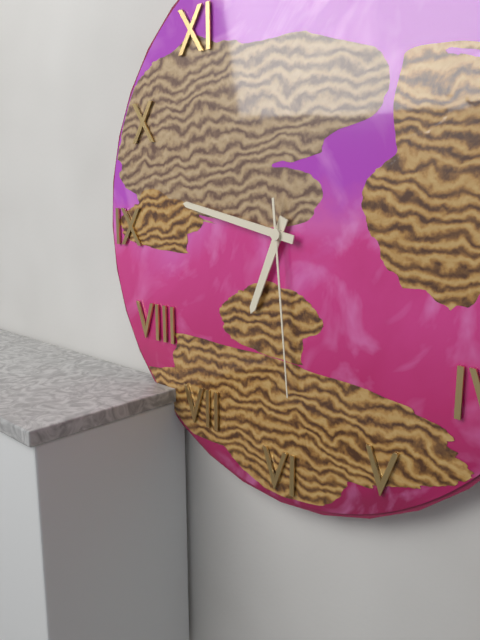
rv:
6.47.29
